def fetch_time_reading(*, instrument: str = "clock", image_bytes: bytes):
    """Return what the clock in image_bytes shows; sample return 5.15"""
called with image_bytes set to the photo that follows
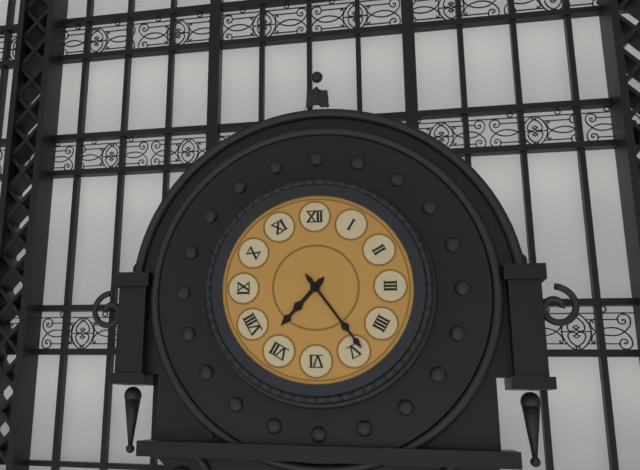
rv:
7.24
